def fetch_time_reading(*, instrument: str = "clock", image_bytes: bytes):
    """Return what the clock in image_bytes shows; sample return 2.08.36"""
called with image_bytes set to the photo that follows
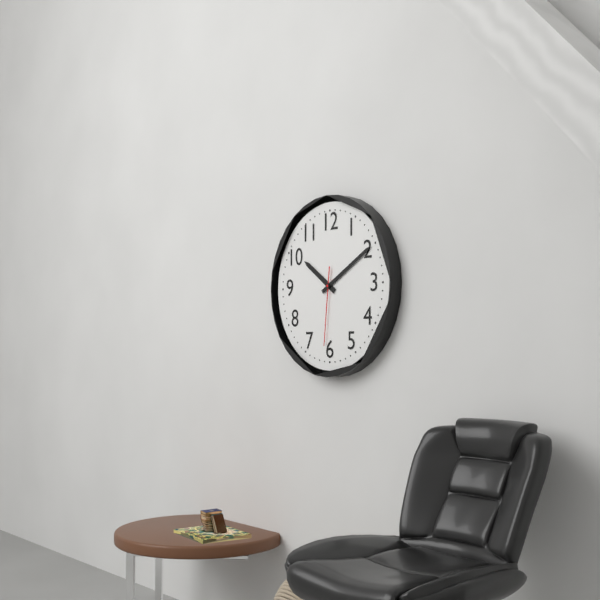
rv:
10.10.31
